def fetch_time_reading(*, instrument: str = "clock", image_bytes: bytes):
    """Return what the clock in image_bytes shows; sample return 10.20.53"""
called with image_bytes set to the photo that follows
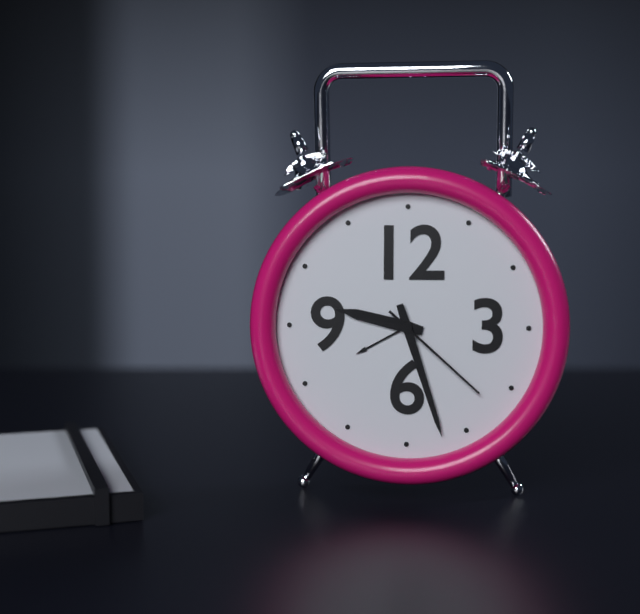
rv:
9.27.22
